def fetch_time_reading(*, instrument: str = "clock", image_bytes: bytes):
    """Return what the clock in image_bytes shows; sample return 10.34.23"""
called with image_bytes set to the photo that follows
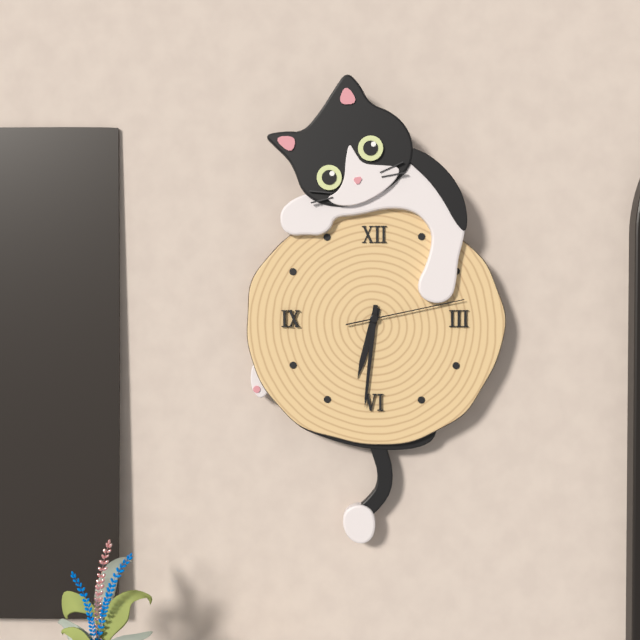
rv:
6.31.13
